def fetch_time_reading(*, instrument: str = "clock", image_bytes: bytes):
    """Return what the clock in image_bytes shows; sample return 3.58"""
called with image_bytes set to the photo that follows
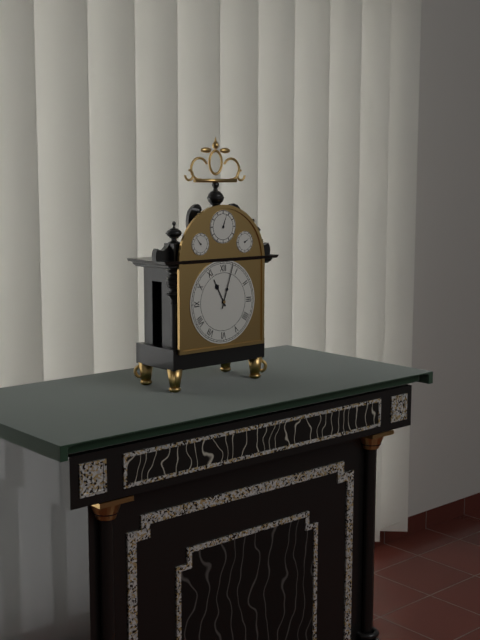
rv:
11.03
